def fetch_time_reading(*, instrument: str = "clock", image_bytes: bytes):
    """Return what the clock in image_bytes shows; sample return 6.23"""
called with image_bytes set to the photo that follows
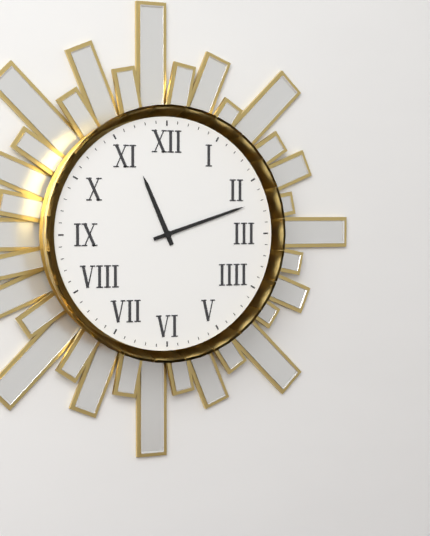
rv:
11.12
